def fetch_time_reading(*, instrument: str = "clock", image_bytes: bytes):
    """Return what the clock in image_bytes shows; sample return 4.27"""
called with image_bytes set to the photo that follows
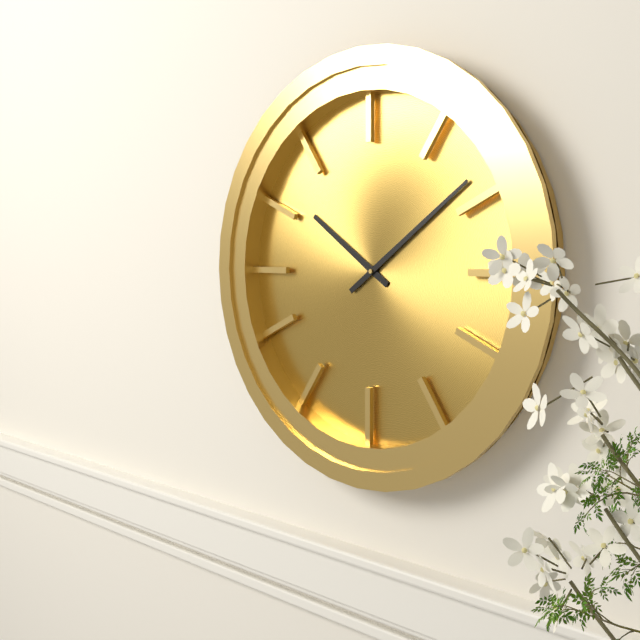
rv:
10.09
